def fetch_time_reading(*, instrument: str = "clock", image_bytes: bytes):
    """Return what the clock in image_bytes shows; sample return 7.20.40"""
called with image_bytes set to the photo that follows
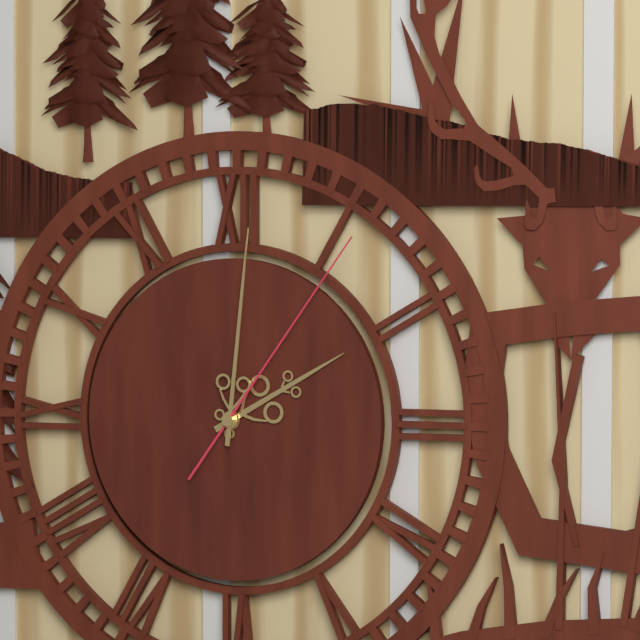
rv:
2.01.06
